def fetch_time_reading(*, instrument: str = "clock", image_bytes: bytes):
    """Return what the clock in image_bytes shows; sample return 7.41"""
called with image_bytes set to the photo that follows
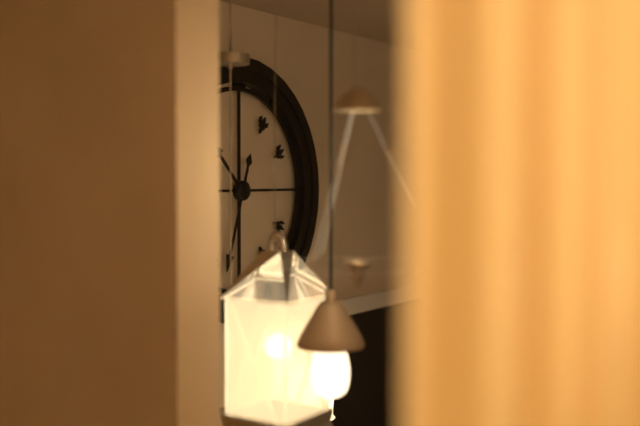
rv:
10.33
